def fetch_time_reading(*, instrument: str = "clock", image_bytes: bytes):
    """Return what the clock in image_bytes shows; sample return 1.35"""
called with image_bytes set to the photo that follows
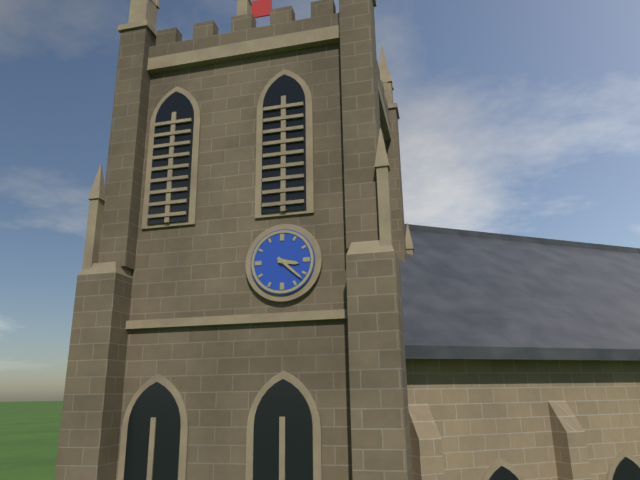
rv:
3.22
